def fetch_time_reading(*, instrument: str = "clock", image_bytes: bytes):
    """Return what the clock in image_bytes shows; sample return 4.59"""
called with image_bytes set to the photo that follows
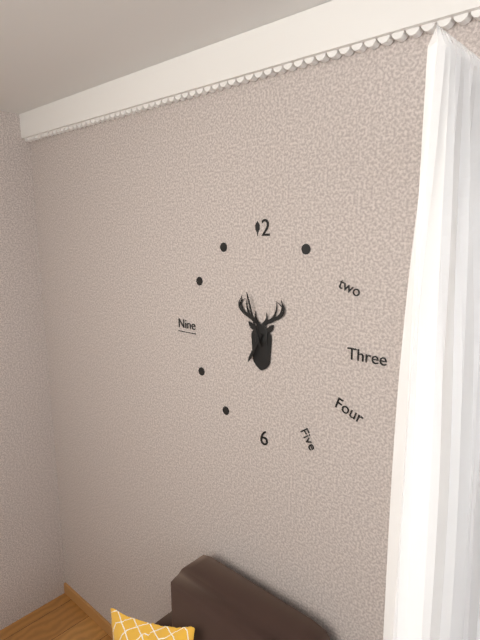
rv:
6.57
